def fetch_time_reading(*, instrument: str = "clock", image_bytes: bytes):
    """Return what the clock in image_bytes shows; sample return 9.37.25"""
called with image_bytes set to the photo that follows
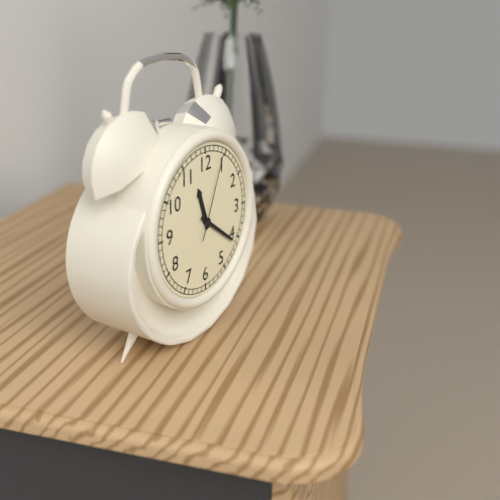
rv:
11.21.04
